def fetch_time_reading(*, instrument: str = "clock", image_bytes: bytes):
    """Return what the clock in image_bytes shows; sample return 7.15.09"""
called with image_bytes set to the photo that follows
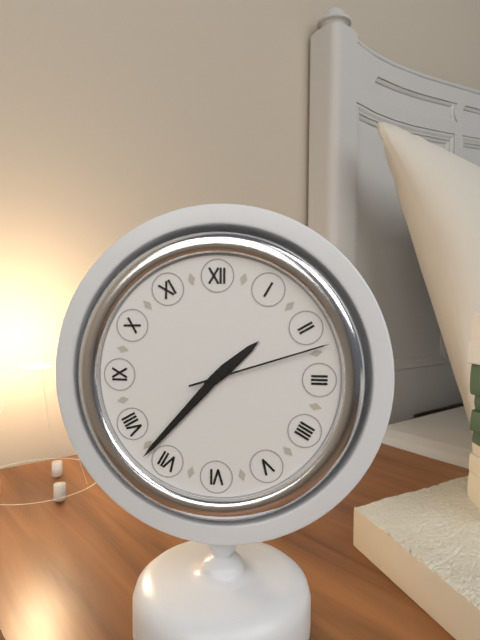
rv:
1.37.12
